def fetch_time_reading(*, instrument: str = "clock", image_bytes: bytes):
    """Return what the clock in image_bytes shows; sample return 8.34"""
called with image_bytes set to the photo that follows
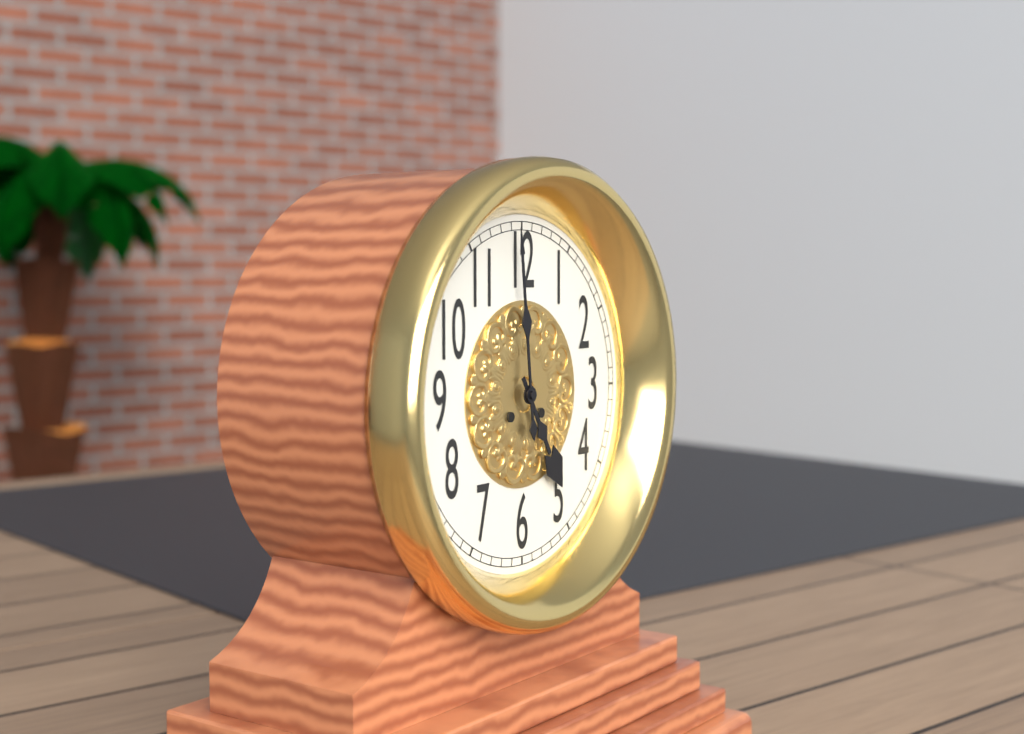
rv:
4.59
